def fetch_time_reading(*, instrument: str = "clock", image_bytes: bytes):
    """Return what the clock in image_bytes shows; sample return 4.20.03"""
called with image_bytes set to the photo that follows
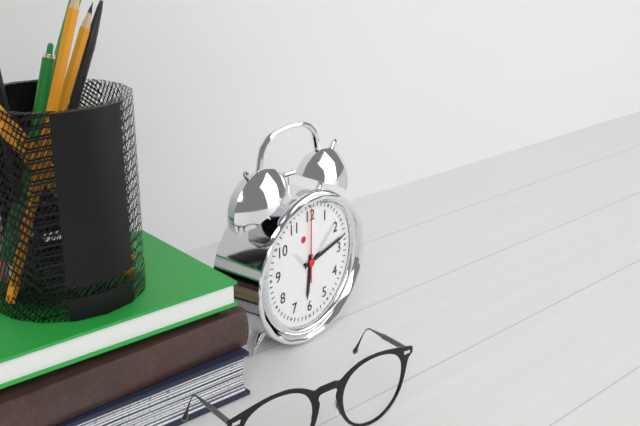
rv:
6.13.00
